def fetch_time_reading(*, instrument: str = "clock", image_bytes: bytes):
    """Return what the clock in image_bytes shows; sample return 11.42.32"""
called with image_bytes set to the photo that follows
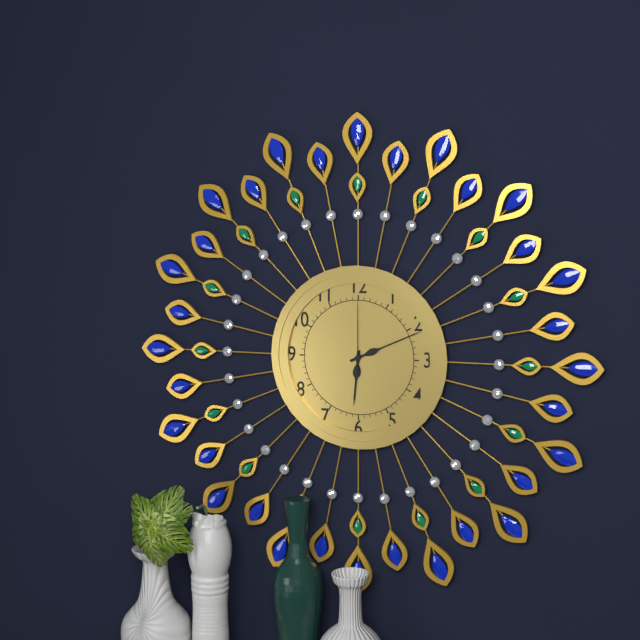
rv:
6.11.00
